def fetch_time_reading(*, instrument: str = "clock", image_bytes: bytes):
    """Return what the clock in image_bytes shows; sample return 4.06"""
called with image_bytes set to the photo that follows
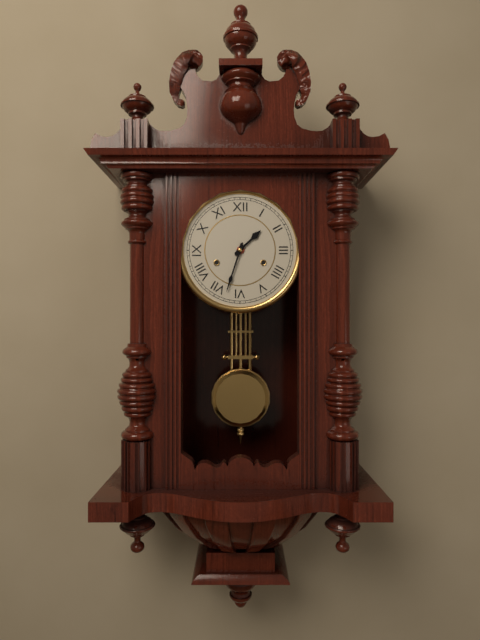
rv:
1.33
